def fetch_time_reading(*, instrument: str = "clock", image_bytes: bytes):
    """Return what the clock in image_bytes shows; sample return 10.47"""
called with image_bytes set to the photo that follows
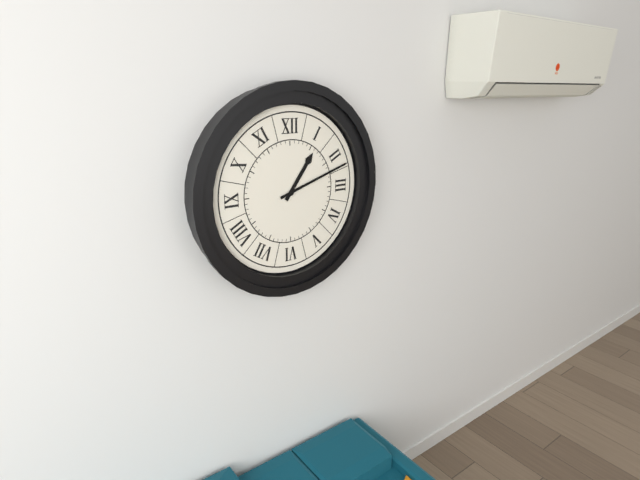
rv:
1.12
